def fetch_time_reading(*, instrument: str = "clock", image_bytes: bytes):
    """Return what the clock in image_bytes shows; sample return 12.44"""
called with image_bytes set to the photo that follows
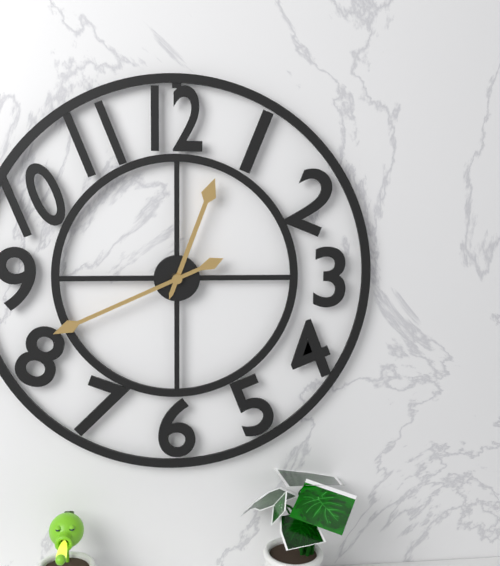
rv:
12.41
